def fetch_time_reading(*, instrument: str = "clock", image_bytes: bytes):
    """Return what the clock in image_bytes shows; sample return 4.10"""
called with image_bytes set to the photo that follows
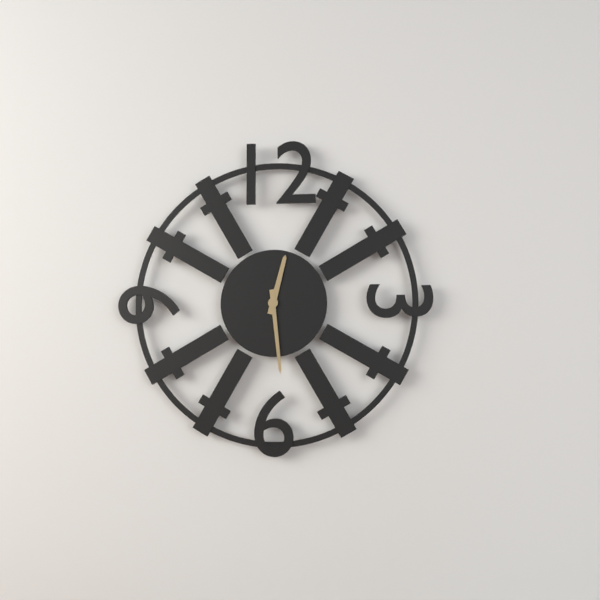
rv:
12.29
